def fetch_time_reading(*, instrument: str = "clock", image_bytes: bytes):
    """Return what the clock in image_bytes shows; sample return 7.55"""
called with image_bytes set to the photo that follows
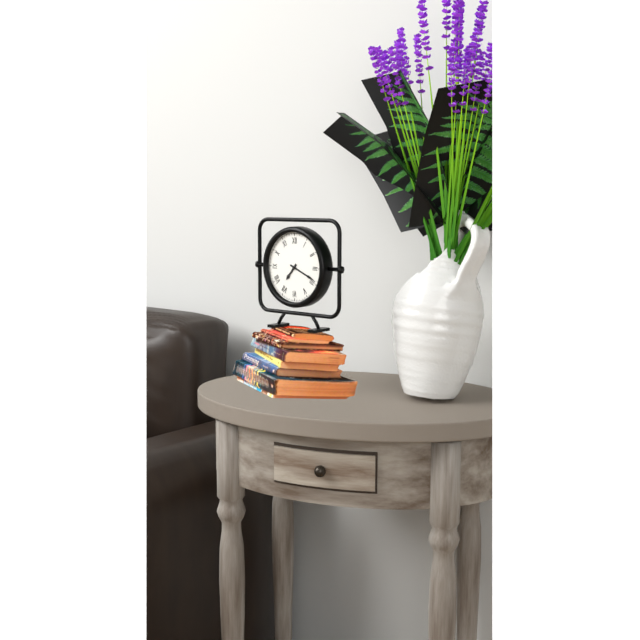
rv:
7.19
